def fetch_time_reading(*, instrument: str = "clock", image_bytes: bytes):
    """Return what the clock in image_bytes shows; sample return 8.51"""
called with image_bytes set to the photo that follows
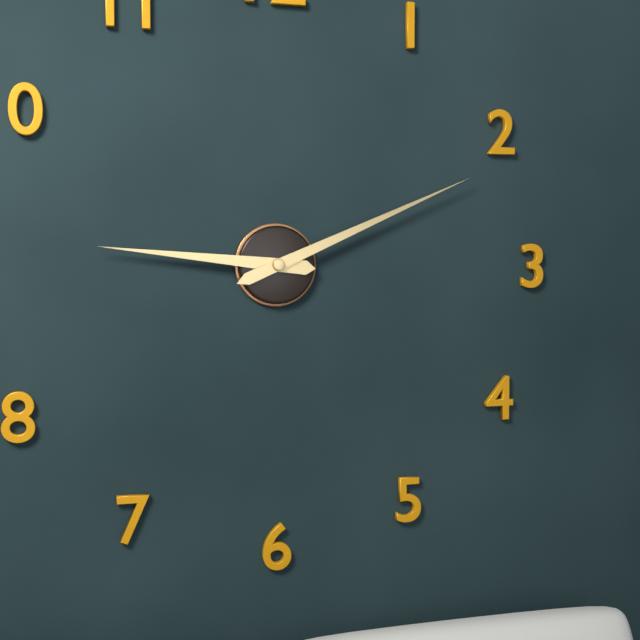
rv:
9.11
